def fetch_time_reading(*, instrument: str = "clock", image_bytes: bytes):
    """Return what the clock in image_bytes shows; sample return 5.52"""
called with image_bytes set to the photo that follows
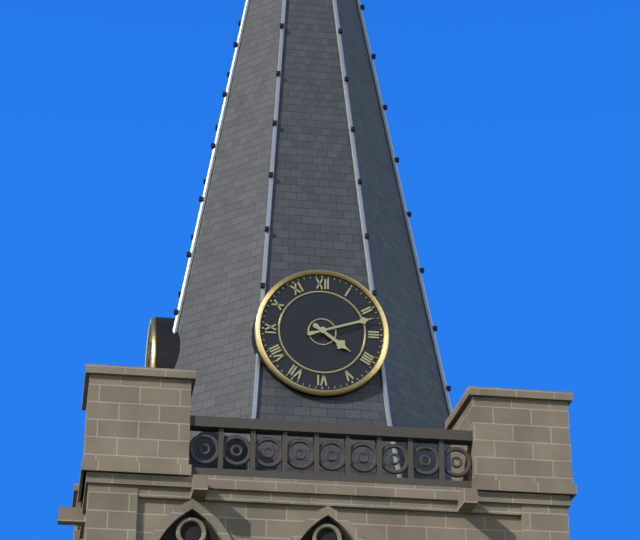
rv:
4.12
